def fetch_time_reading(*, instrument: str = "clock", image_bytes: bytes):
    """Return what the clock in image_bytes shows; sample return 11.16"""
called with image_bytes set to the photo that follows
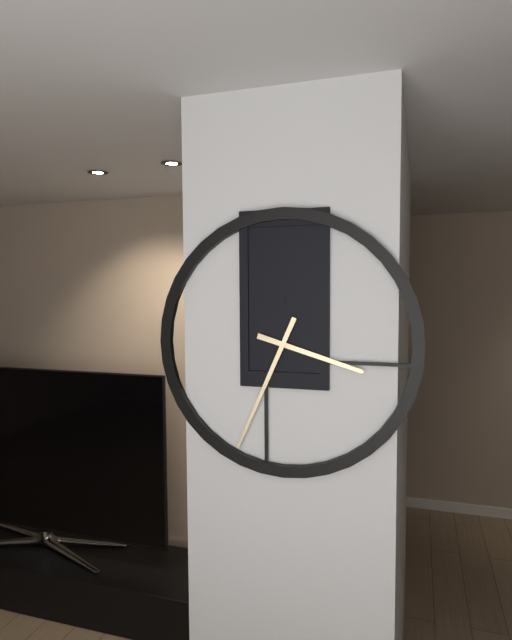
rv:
3.34
